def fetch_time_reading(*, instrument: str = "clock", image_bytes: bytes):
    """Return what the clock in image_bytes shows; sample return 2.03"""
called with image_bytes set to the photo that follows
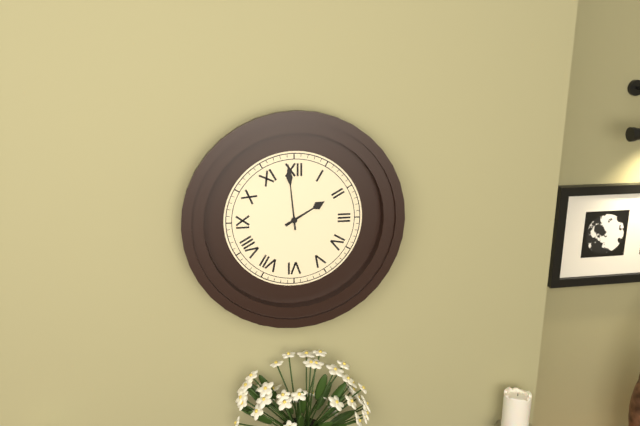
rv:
1.59
